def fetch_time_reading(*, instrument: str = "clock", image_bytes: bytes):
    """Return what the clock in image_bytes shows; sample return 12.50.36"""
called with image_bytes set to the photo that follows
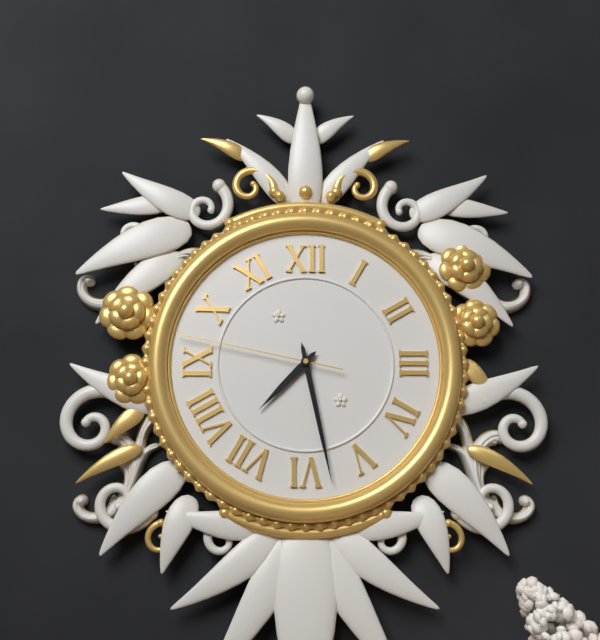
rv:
7.28.47
